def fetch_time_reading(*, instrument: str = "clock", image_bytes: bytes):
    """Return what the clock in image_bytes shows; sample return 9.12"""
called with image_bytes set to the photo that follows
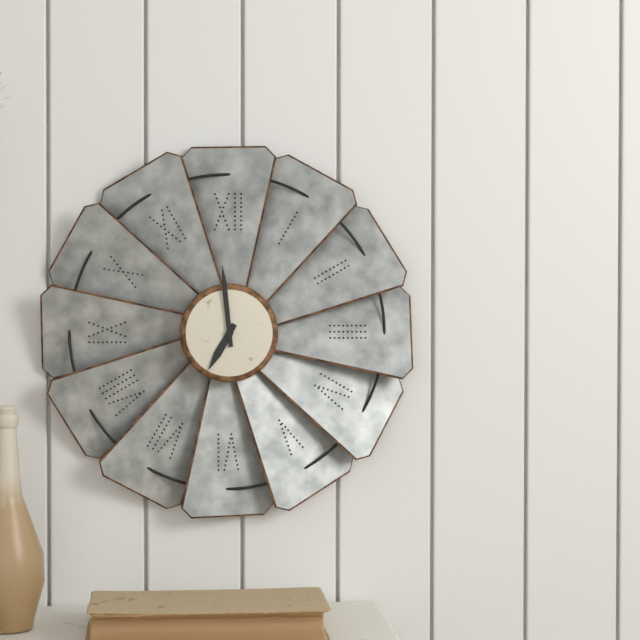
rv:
6.59
